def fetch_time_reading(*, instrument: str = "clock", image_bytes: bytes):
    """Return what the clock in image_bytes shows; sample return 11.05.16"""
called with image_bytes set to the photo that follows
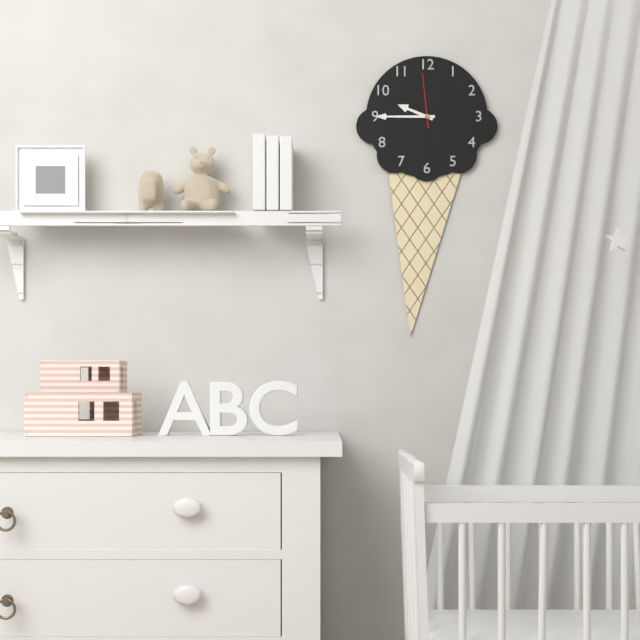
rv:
9.45.59
